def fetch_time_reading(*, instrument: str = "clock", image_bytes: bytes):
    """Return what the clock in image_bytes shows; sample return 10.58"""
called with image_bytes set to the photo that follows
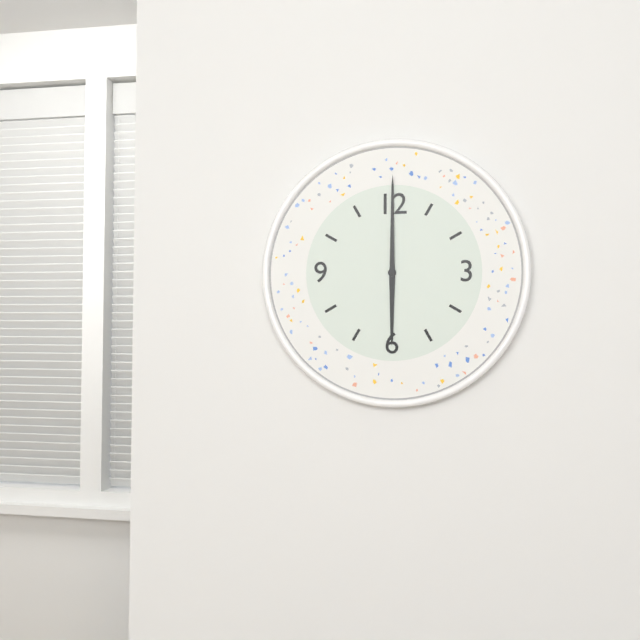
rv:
6.00
